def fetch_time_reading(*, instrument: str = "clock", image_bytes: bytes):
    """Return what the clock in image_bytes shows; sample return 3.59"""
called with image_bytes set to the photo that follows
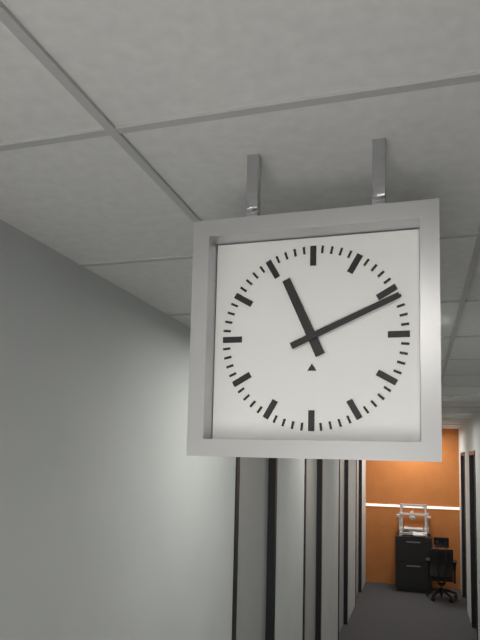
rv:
11.11
